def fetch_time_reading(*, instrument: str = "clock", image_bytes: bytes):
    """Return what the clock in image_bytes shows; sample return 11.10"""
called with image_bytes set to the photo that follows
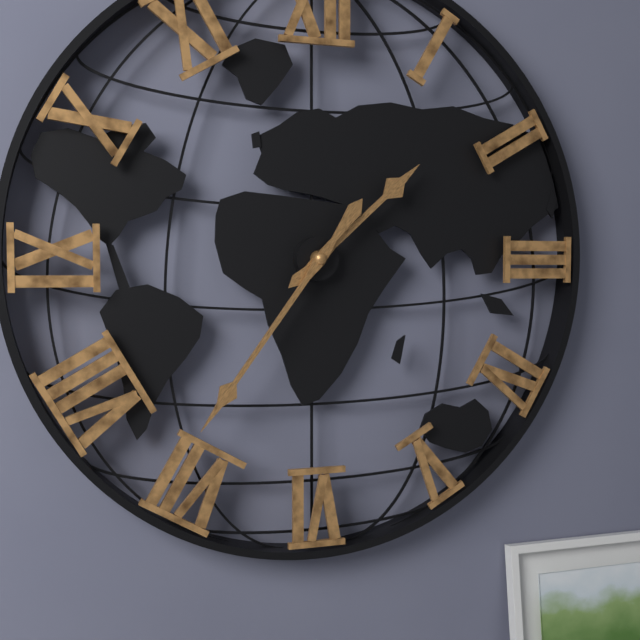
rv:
1.36
